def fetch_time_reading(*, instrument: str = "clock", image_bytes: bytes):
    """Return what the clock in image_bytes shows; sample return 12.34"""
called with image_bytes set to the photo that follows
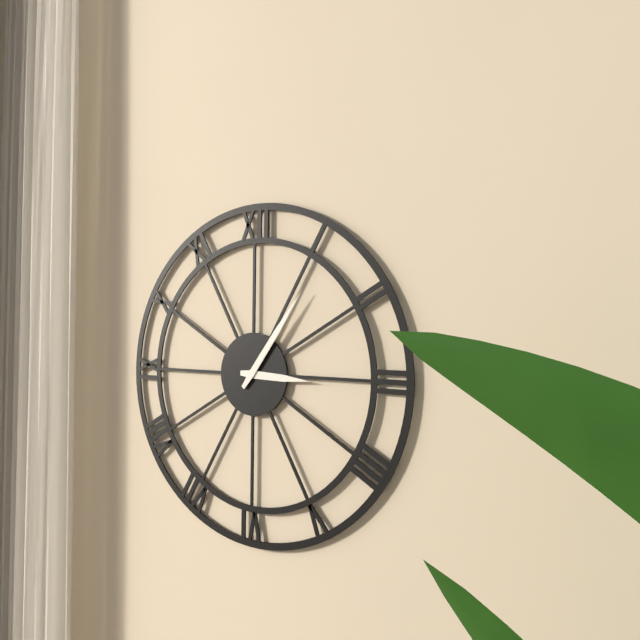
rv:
3.06
